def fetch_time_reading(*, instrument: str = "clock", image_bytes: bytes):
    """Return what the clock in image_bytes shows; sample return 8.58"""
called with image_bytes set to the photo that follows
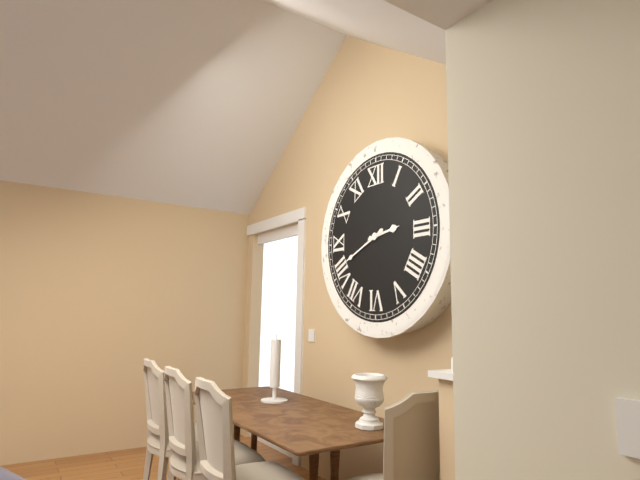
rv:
2.41
